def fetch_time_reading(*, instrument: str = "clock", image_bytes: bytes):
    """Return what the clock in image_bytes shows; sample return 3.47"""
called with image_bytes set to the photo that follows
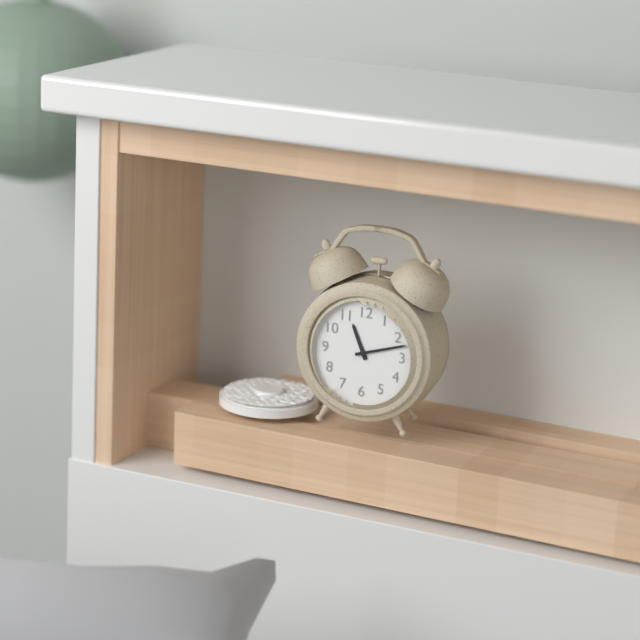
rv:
11.12
